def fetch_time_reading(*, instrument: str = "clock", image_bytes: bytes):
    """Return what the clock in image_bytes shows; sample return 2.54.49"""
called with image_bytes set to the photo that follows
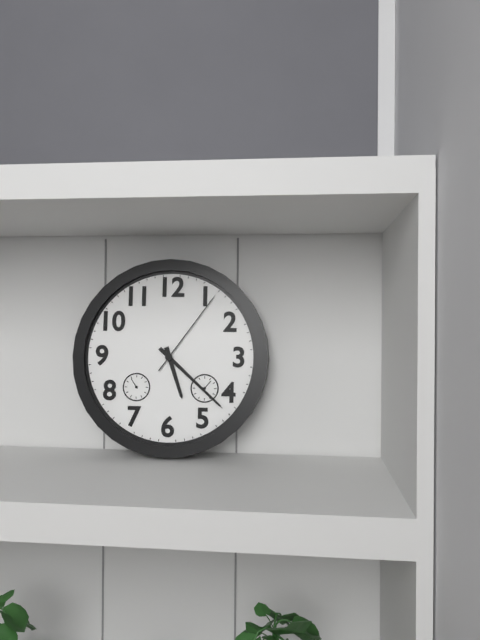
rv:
5.22.06
